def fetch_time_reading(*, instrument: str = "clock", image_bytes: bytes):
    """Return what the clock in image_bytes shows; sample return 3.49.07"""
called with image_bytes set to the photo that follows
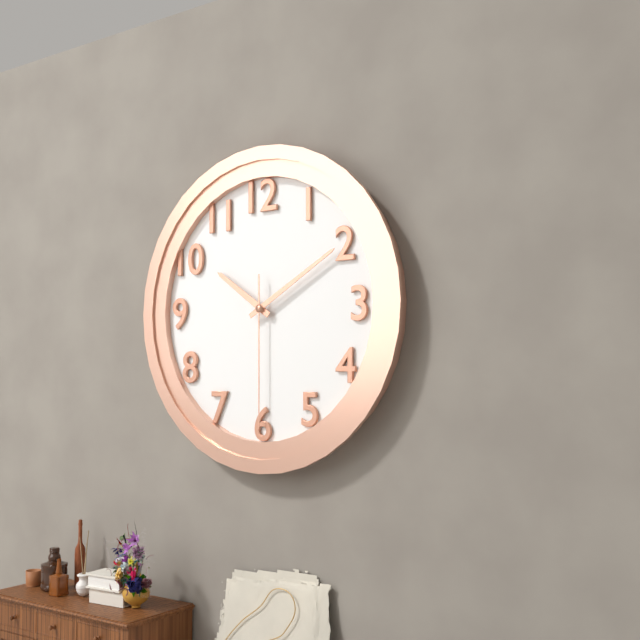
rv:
10.10.30
